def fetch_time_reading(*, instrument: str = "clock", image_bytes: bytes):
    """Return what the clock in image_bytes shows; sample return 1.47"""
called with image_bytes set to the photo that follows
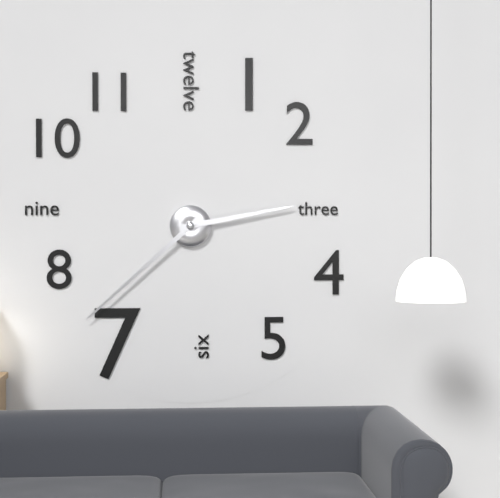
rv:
2.38
